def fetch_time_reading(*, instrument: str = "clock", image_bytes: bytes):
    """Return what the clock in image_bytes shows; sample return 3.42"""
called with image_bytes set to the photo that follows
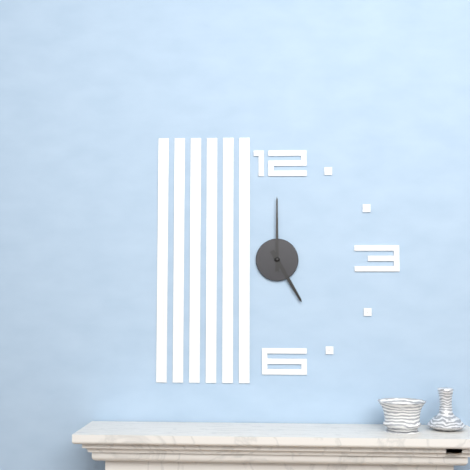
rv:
5.00
